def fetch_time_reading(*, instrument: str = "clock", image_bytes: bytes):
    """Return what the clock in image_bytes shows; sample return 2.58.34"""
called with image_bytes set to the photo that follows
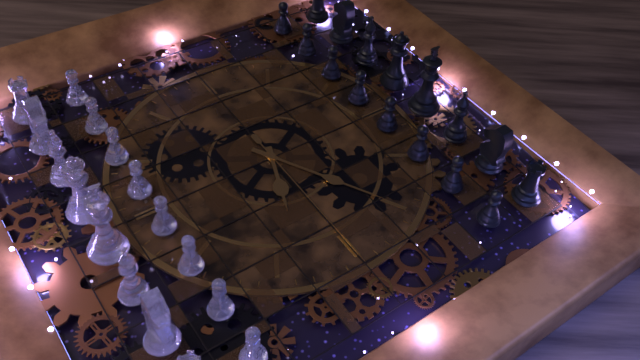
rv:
9.40.45
